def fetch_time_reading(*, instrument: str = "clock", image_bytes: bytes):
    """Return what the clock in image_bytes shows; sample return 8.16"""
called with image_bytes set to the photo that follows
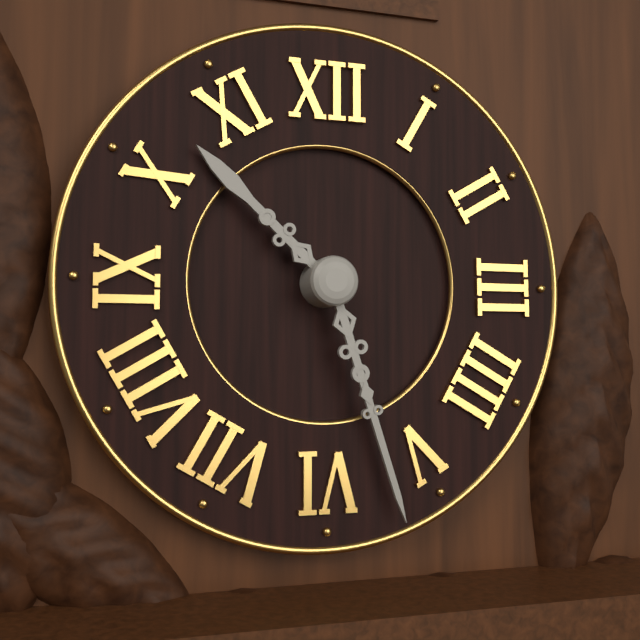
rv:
10.27
